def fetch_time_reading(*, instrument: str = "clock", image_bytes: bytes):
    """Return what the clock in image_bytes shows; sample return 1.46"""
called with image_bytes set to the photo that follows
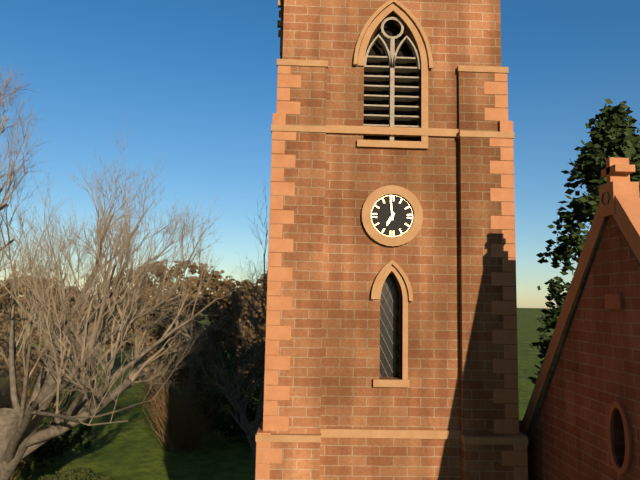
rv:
6.59
